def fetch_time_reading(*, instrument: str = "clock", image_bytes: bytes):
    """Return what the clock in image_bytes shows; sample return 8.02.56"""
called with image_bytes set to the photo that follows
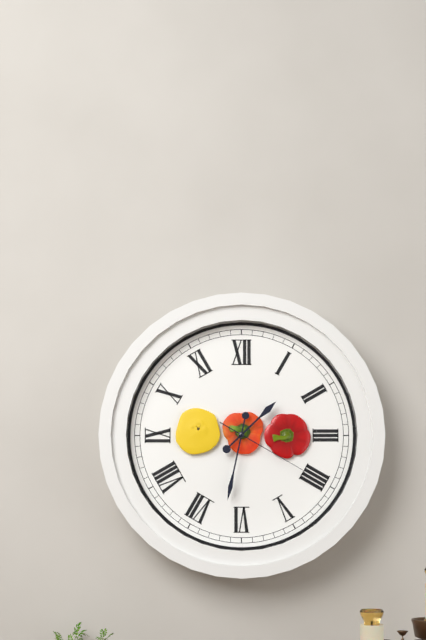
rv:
1.32.20
